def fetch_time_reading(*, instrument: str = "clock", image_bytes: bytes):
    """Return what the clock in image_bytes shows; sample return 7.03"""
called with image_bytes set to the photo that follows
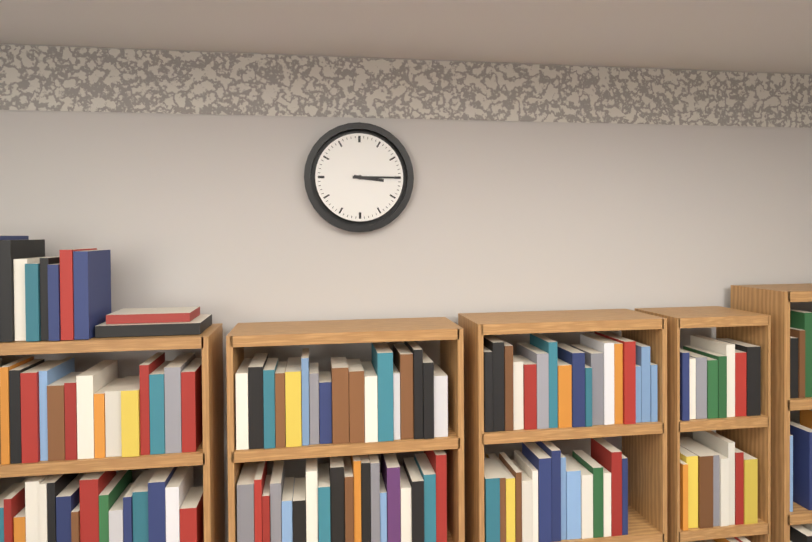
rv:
3.15
